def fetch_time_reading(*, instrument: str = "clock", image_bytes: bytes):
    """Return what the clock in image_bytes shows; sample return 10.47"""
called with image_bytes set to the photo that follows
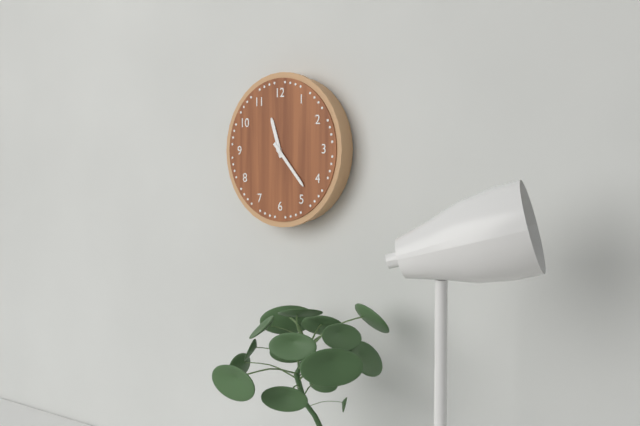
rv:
11.23
